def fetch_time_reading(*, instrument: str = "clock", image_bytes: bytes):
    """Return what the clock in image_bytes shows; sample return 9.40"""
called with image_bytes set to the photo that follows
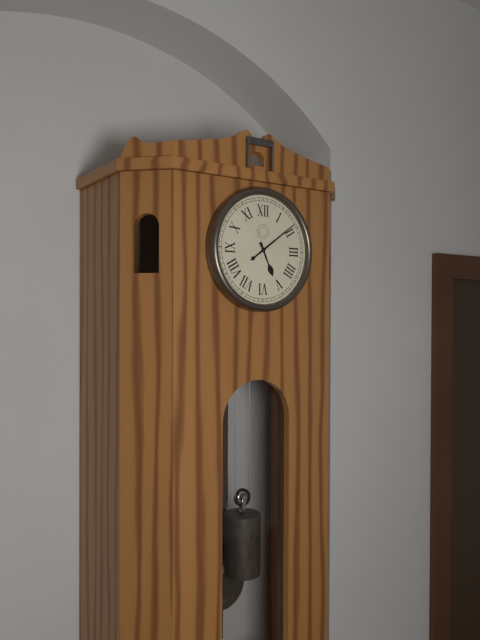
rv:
5.09
